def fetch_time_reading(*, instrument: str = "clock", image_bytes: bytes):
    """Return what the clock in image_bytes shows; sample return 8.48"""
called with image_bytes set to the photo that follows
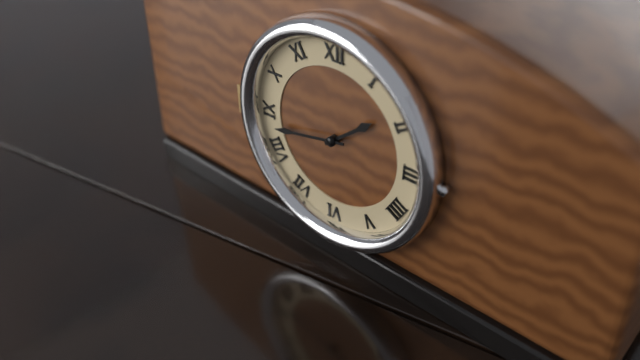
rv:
1.43
